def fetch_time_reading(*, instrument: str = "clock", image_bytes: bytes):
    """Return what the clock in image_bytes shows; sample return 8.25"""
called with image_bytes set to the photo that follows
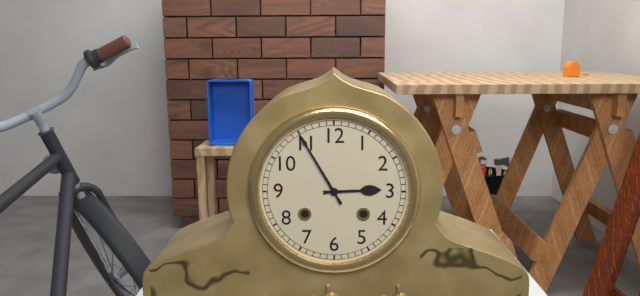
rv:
2.55
